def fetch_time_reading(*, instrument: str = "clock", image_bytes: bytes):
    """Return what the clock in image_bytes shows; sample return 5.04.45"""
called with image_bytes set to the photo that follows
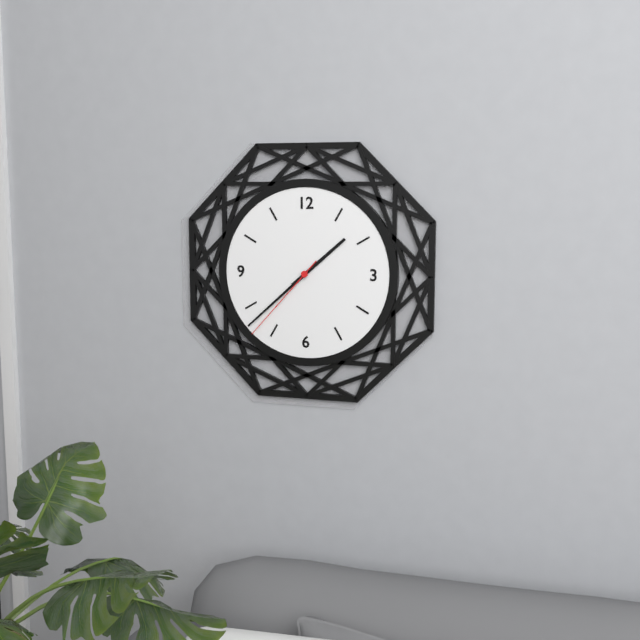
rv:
1.38.37
